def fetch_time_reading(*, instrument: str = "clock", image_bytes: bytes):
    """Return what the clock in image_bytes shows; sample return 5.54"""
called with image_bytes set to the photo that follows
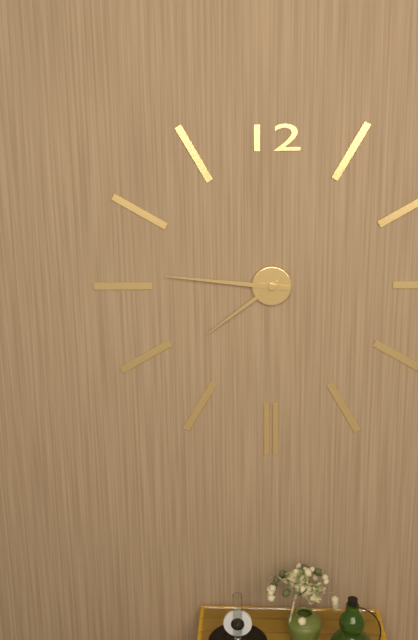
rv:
7.46
